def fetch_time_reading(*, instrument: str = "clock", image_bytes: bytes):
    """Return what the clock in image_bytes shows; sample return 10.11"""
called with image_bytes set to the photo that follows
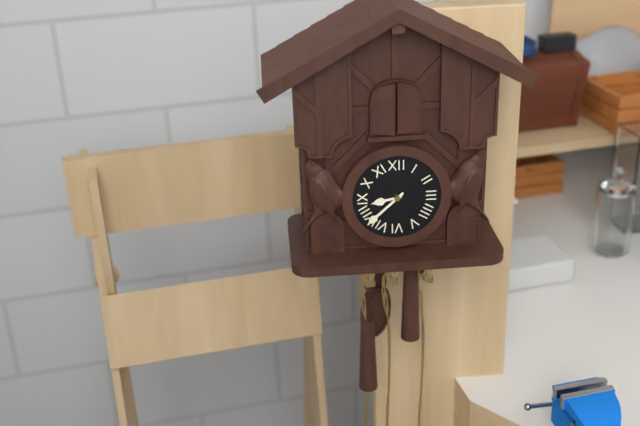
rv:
8.38
